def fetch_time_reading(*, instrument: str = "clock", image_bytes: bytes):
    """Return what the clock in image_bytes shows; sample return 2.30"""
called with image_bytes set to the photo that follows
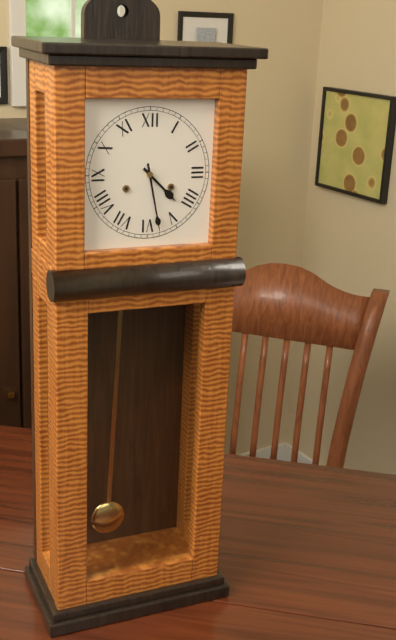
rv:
4.28
